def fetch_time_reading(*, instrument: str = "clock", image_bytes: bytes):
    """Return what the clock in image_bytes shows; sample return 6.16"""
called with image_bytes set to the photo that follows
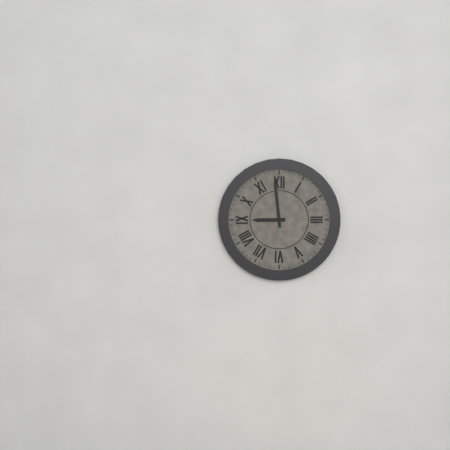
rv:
8.59
